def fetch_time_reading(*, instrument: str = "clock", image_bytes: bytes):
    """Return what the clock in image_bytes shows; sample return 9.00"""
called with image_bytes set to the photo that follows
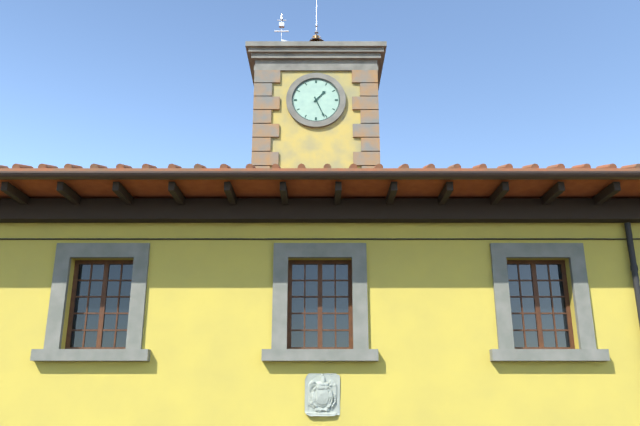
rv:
1.26
